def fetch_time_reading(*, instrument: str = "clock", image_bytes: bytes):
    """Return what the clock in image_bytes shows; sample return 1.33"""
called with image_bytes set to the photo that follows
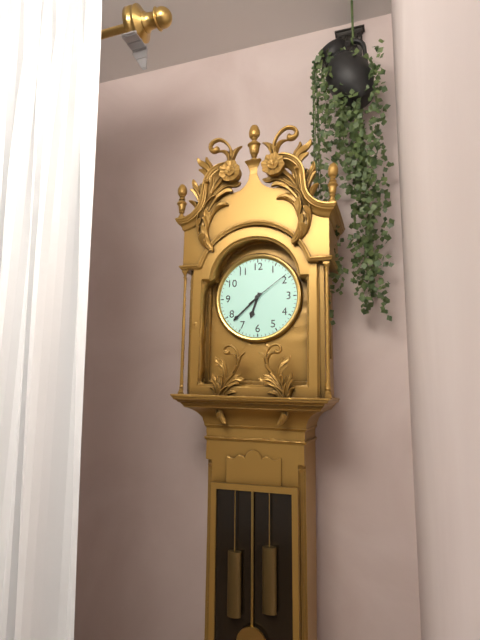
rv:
6.38
